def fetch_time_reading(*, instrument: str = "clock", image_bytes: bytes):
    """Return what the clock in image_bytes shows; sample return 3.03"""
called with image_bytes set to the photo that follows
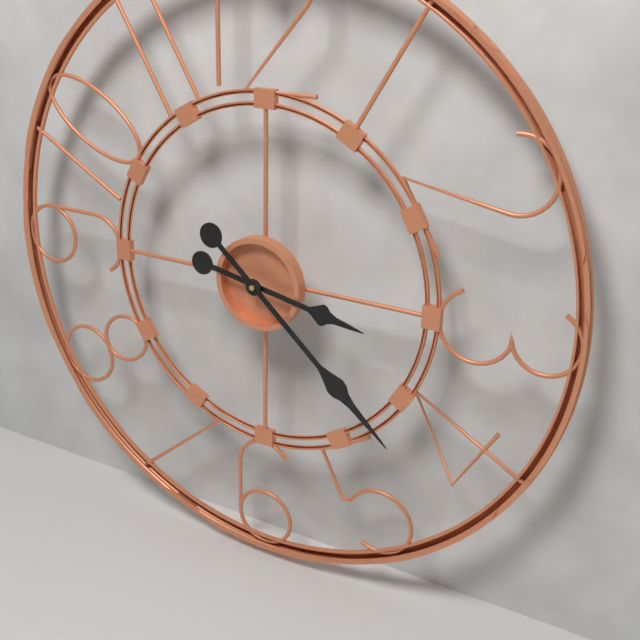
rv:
3.22
